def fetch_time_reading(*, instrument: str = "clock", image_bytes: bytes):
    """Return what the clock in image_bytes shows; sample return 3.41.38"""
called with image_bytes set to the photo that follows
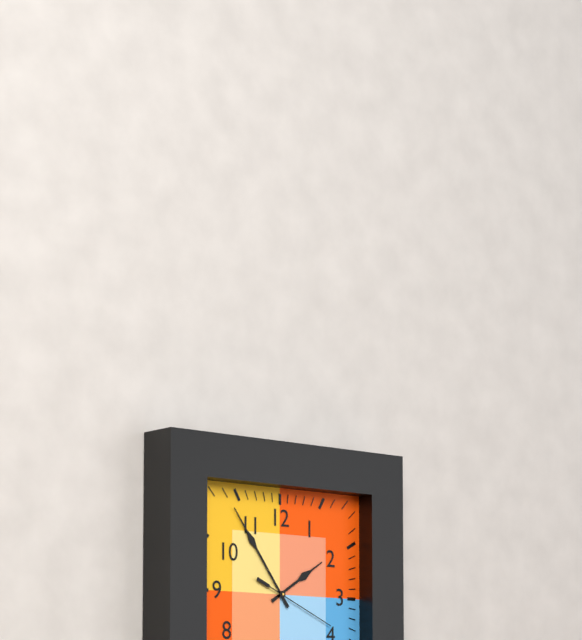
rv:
1.54.19
